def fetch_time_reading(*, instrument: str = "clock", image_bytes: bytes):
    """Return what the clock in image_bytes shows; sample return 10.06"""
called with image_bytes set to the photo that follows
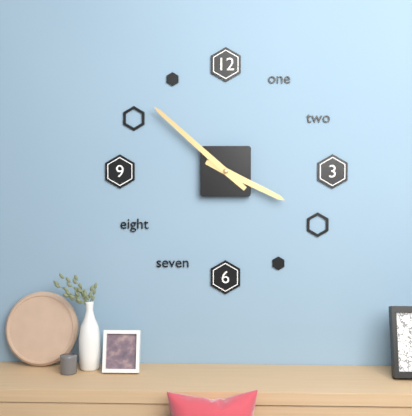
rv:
3.52
